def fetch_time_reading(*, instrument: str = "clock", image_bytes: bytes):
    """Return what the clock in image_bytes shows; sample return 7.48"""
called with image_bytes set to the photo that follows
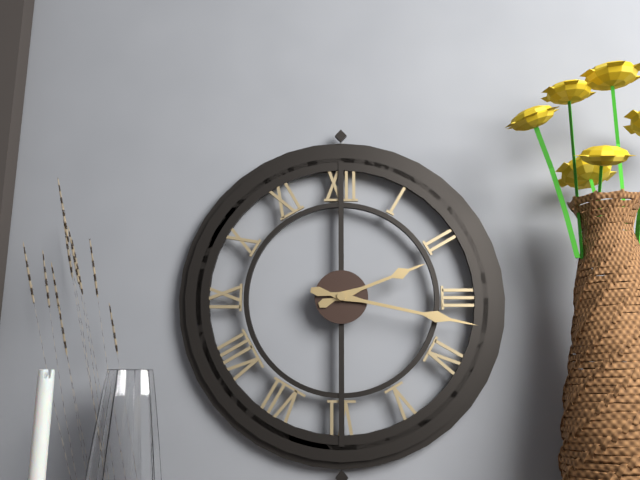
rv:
2.17
